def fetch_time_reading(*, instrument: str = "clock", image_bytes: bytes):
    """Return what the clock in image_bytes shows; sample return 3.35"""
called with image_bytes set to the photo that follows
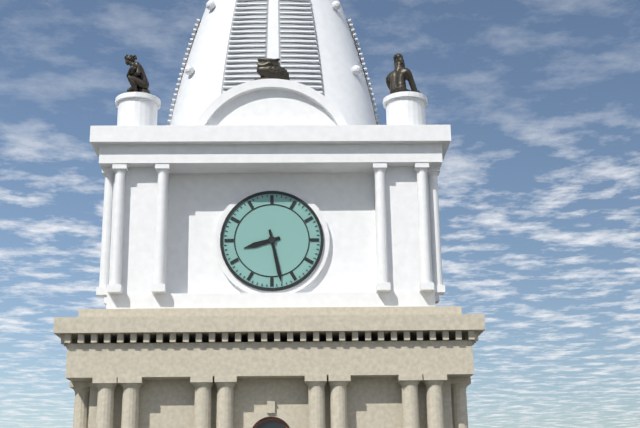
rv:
8.28
